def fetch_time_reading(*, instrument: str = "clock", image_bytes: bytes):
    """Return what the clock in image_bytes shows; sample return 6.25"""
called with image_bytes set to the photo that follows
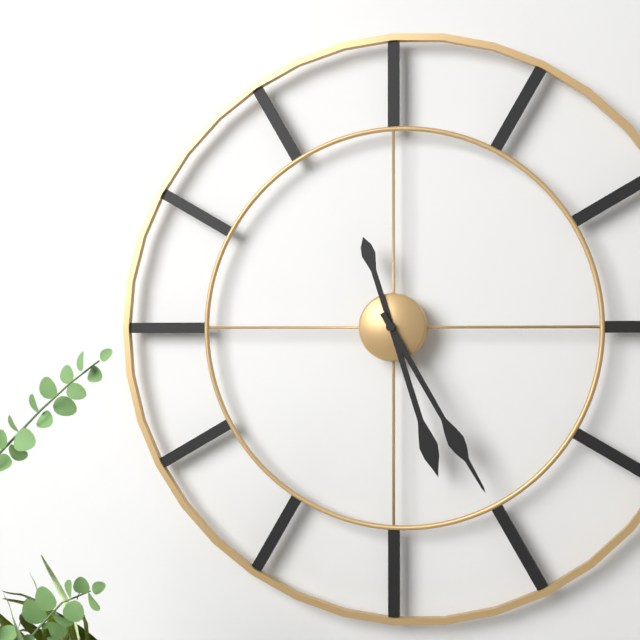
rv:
5.25
